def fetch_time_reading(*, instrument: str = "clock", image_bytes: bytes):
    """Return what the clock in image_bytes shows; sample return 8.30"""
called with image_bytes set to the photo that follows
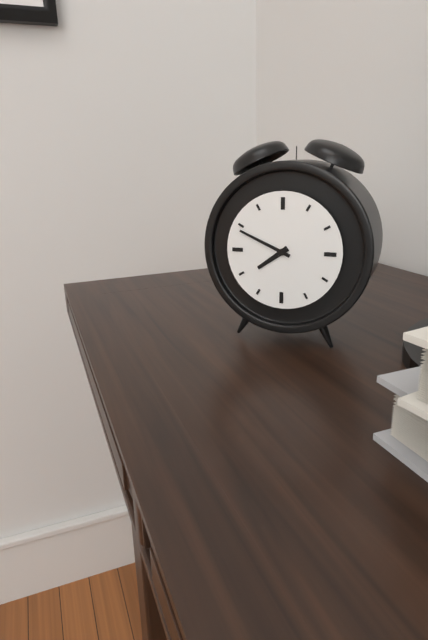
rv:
7.49
